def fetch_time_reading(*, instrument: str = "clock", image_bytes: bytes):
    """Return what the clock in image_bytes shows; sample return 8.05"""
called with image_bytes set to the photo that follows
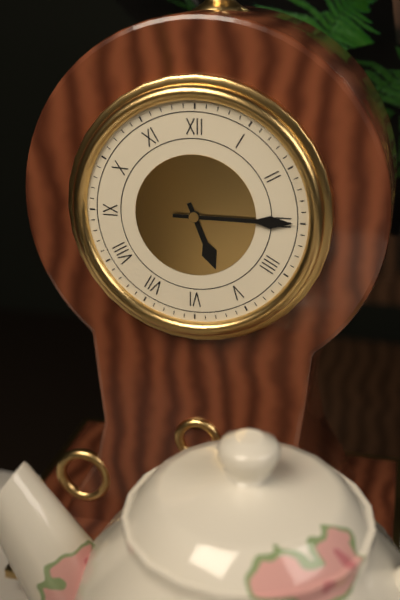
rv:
5.15
